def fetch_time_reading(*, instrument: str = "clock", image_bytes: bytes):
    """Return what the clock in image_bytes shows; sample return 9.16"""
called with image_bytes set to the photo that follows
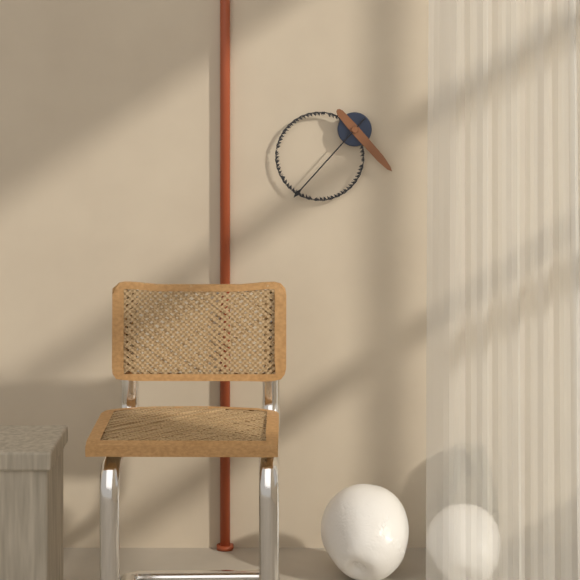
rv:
4.37
